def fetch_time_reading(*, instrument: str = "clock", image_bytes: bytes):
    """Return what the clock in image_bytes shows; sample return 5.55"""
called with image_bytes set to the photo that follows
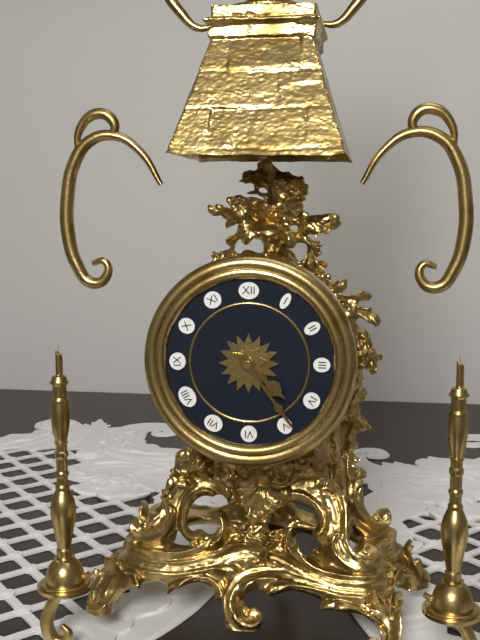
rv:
4.24
